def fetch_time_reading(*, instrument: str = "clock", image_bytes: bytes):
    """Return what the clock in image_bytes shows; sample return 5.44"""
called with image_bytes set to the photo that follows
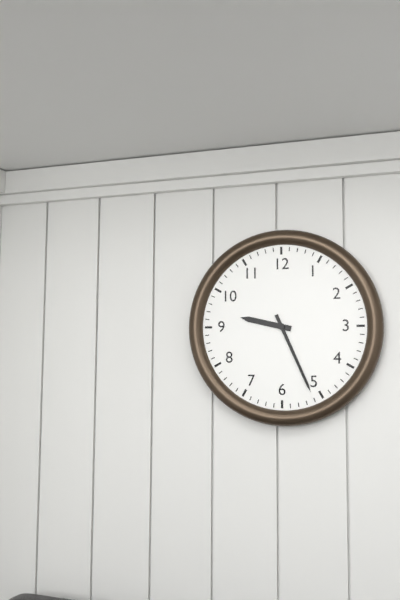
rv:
9.26
